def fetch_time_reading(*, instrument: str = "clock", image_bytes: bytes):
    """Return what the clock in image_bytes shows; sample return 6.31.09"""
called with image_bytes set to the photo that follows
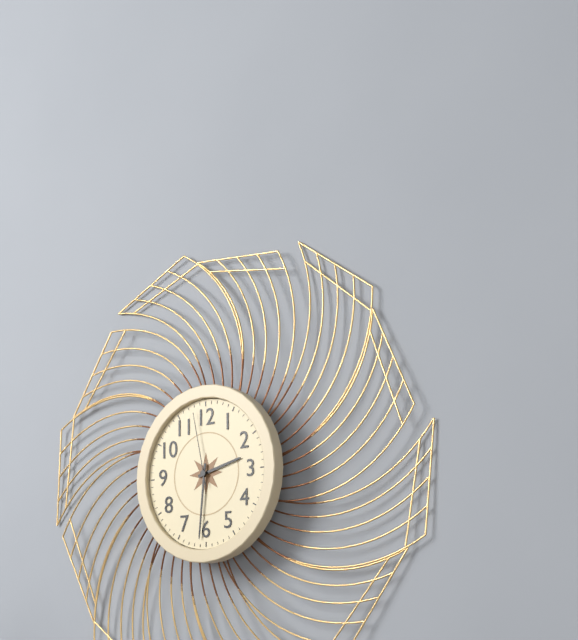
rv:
2.31.58
